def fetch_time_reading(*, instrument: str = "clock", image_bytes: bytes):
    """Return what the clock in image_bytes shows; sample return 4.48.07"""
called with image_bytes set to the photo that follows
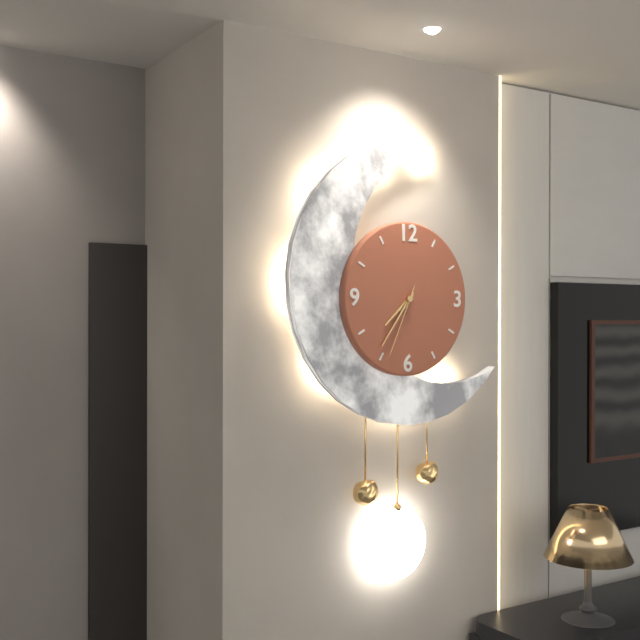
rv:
7.36.34
